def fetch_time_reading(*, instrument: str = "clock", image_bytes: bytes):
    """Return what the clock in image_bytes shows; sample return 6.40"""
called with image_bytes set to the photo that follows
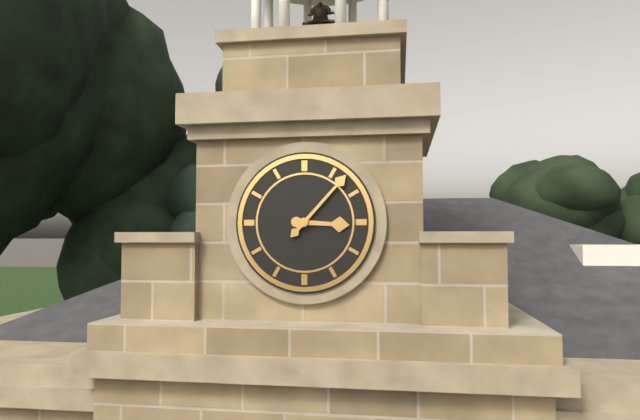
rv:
3.07
